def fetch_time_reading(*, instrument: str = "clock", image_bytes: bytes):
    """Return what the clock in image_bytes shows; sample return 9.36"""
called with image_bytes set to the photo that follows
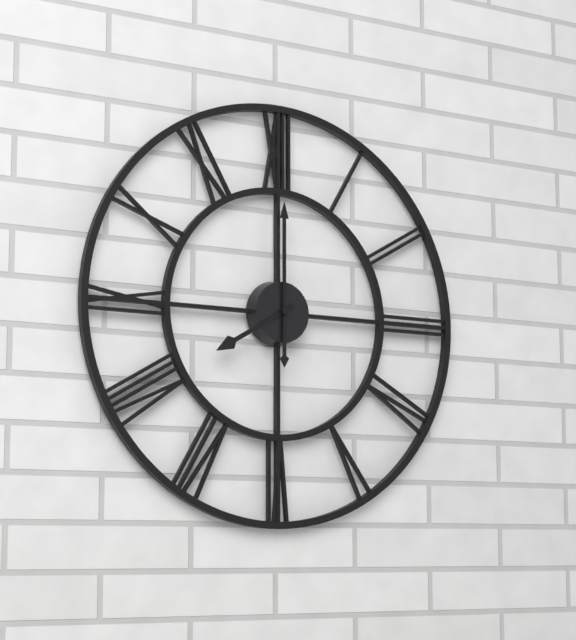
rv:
8.00
